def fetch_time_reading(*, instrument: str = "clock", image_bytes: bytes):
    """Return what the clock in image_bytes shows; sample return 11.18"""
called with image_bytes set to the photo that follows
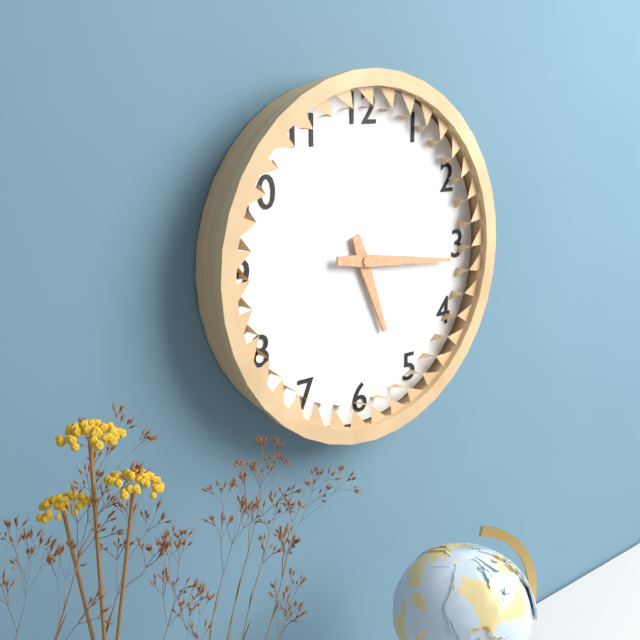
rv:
5.16
